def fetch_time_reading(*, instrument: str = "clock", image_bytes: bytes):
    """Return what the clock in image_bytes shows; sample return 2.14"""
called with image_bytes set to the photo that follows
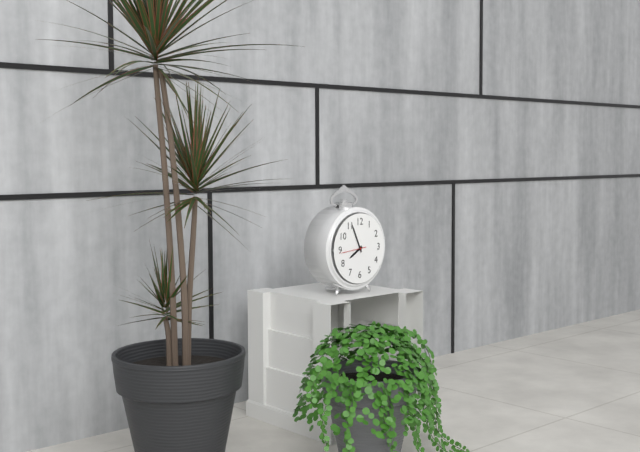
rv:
7.56
